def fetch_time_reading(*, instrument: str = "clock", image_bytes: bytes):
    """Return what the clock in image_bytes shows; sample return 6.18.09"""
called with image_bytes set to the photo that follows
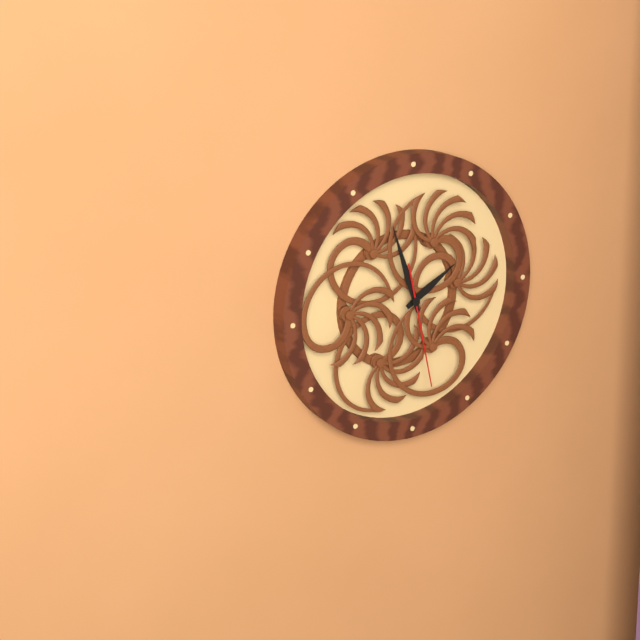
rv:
1.57.28
